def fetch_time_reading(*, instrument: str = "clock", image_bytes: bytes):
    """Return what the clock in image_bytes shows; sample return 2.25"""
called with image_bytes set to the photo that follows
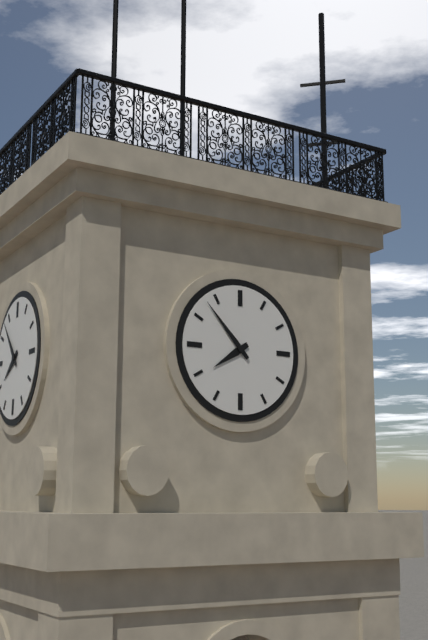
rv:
7.53
